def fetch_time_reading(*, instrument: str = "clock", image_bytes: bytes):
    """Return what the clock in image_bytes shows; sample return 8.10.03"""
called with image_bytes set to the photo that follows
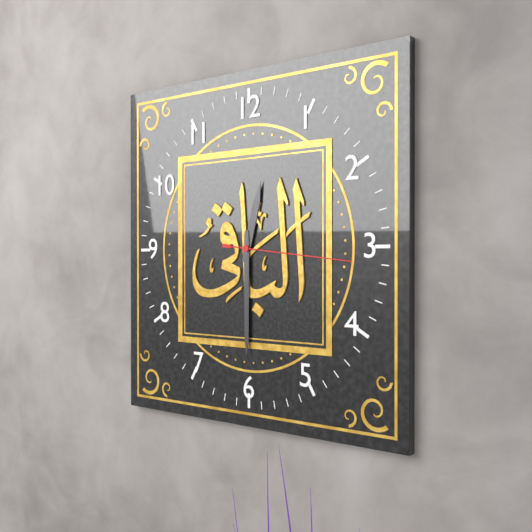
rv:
12.30.16
